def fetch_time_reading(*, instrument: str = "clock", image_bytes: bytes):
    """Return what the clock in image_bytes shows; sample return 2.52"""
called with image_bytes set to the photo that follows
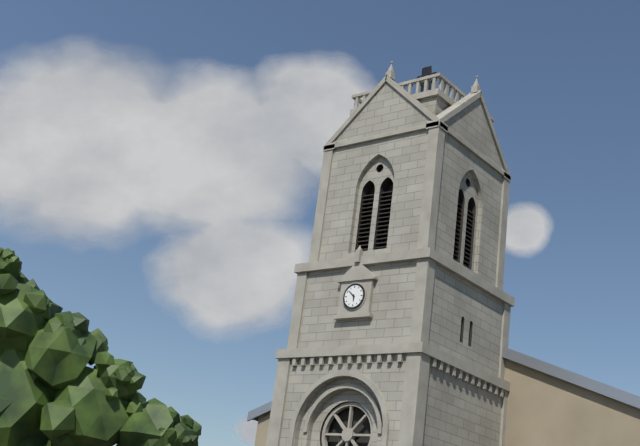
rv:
5.52
